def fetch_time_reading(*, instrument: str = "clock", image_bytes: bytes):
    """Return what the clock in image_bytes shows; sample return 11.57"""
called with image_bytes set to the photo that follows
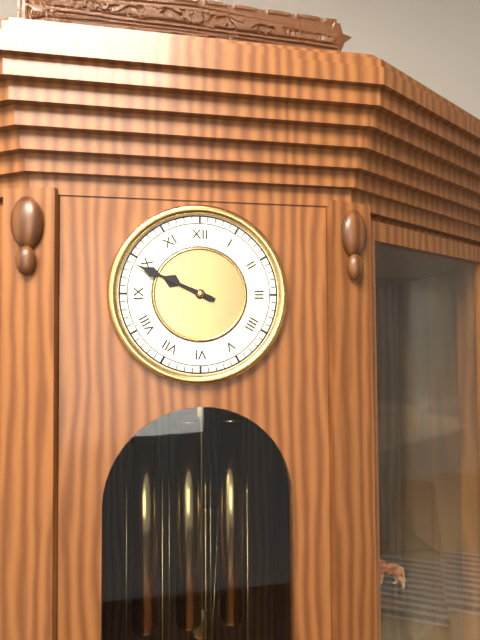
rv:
9.49
